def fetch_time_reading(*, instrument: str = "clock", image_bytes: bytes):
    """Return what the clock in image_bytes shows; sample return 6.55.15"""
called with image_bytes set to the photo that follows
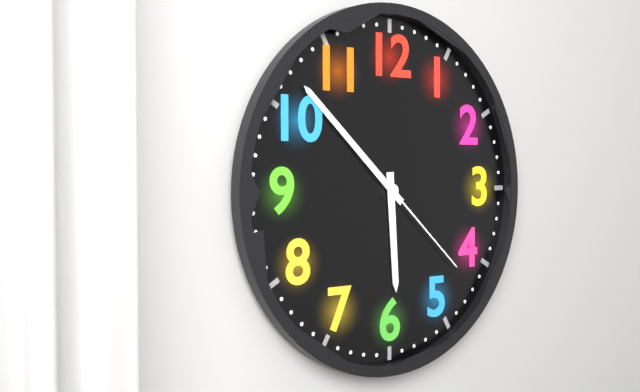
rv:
5.52.22
